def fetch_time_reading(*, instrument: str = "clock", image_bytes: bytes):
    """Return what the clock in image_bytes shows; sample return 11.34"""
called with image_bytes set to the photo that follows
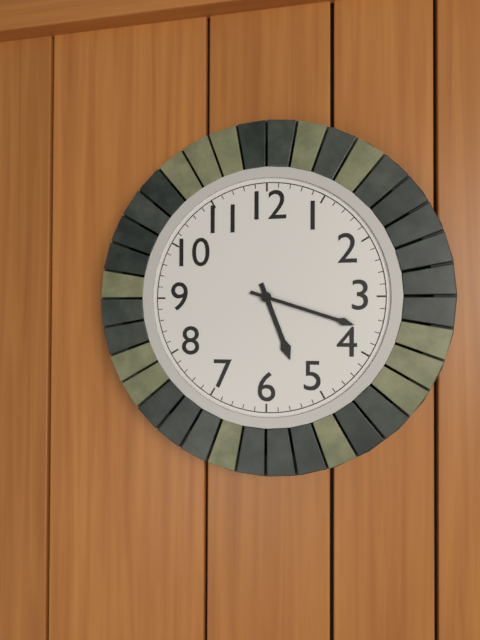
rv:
5.18
